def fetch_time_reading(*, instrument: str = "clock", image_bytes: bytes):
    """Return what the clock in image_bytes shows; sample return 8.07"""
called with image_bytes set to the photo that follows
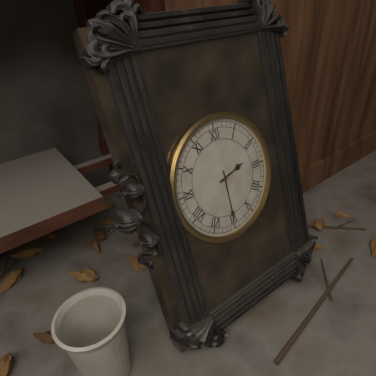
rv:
2.30
